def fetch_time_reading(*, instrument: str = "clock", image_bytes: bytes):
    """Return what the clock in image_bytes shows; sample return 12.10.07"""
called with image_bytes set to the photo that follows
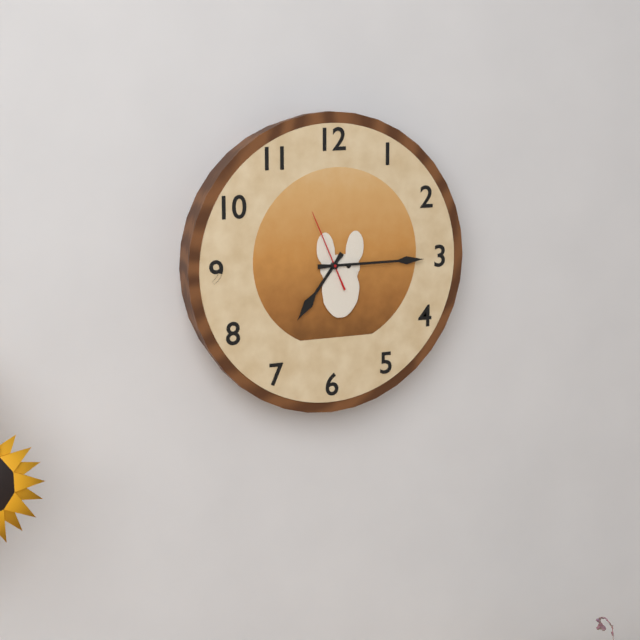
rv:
7.15.56
